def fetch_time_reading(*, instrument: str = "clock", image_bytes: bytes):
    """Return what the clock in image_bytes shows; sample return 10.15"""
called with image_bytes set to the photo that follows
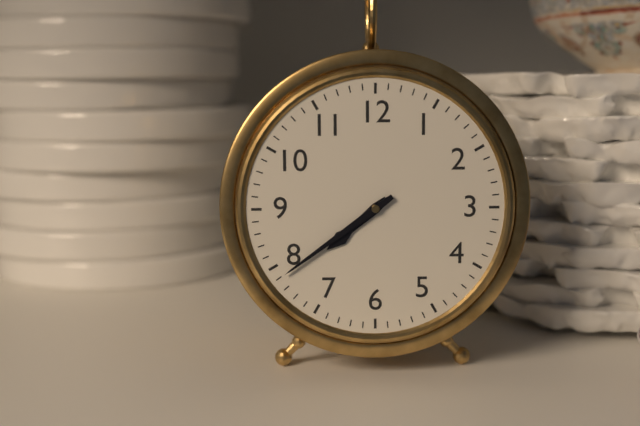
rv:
7.39
